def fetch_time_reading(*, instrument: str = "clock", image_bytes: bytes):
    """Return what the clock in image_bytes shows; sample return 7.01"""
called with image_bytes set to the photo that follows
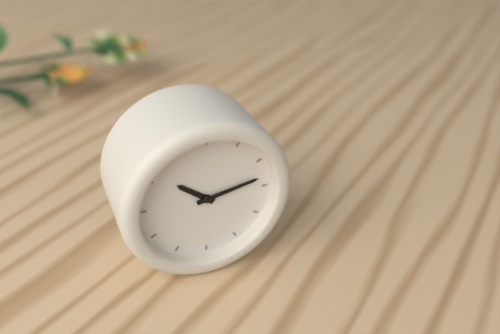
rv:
10.13
